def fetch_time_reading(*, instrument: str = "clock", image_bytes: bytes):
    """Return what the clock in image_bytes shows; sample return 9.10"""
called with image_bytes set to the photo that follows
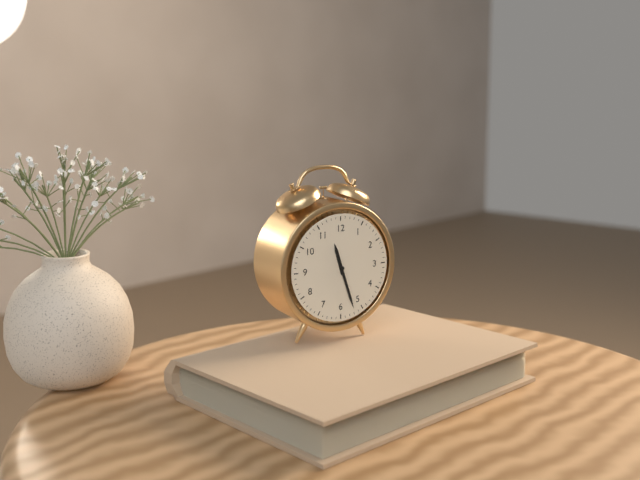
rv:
11.27
